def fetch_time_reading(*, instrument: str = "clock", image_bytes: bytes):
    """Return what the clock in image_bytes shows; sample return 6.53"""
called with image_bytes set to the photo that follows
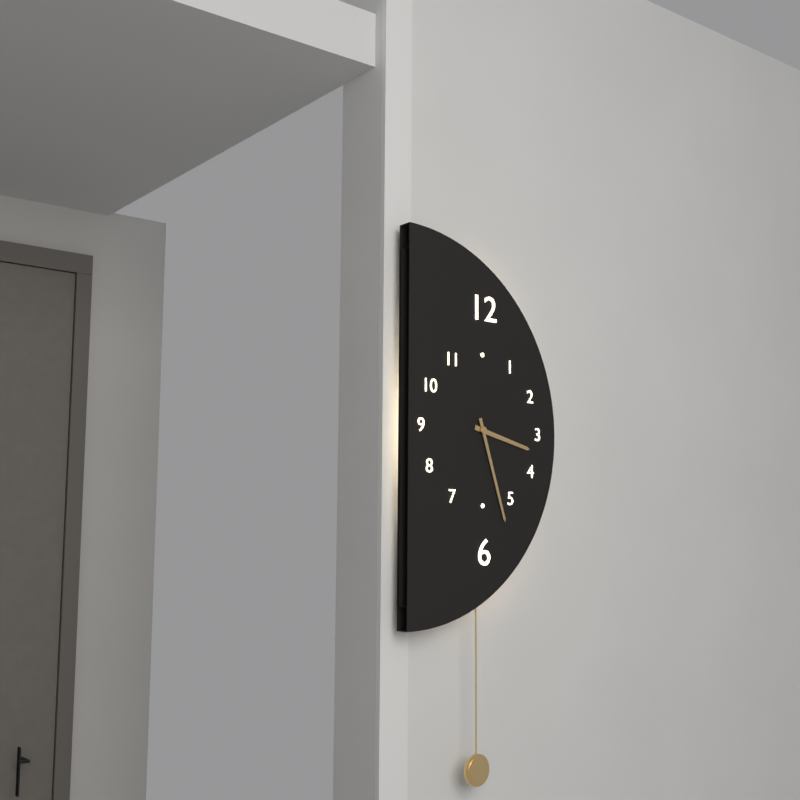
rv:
3.27
